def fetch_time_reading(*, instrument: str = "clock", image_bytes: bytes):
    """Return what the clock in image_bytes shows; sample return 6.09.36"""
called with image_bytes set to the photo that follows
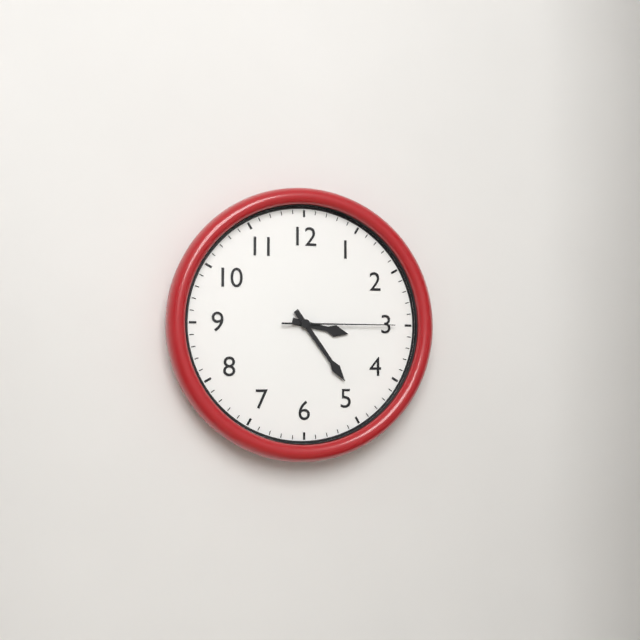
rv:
3.24.15
